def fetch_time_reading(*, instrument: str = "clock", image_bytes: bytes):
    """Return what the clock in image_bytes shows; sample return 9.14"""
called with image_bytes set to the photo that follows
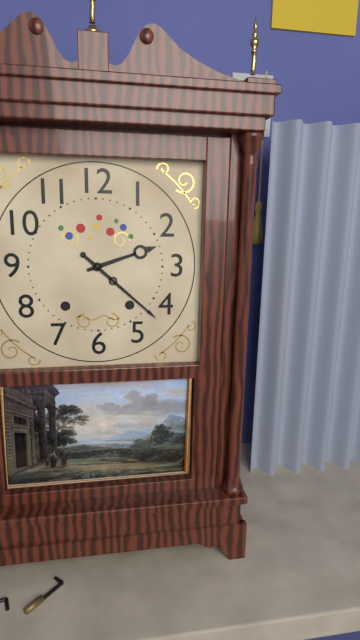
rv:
2.22
